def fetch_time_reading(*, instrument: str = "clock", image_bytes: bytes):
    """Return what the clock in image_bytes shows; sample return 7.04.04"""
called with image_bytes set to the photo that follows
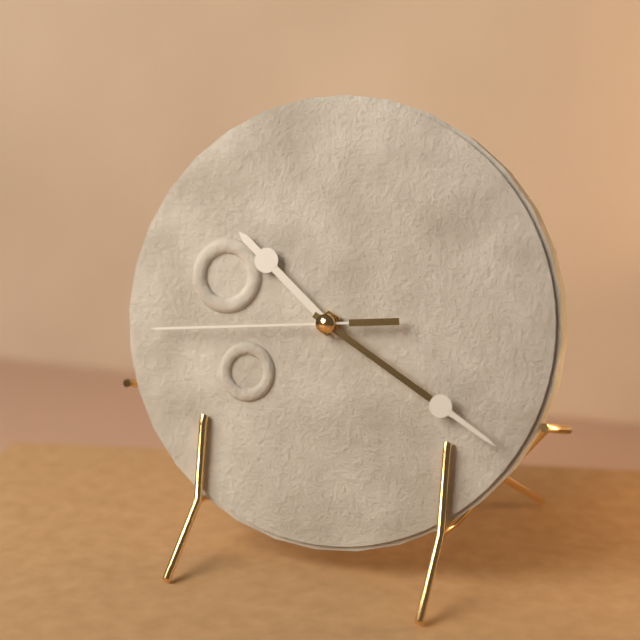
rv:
10.20.44
